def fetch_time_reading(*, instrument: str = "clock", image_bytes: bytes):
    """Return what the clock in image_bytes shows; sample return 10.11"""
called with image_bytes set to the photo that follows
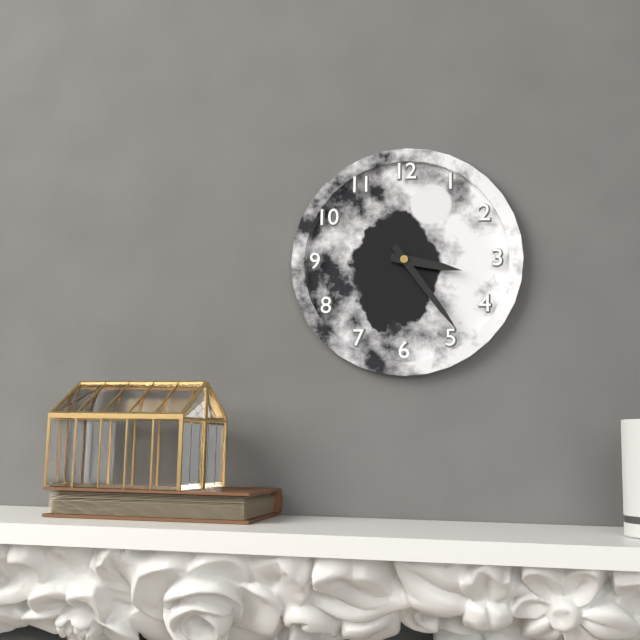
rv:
3.24
